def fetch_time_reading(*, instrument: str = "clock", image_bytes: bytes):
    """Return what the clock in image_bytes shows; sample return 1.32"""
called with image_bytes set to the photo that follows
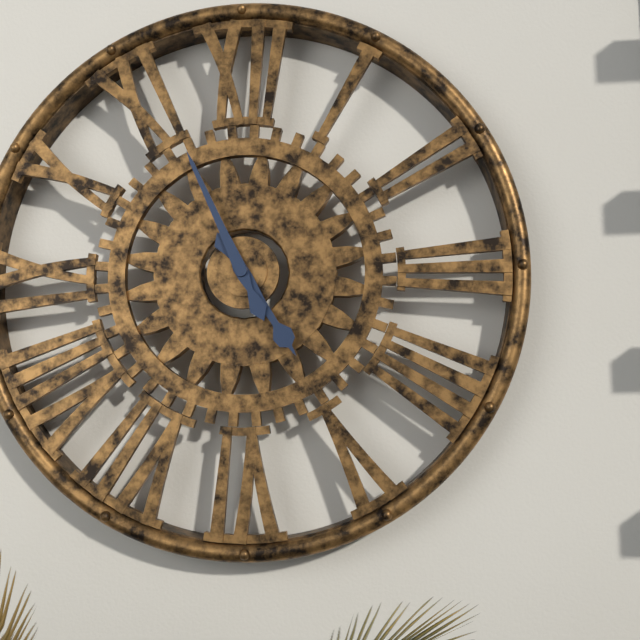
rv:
4.56
